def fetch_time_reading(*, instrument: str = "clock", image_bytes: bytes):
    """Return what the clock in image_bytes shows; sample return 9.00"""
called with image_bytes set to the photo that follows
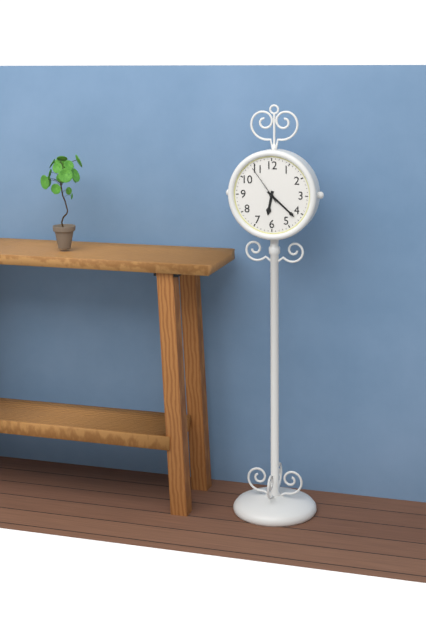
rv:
6.22
